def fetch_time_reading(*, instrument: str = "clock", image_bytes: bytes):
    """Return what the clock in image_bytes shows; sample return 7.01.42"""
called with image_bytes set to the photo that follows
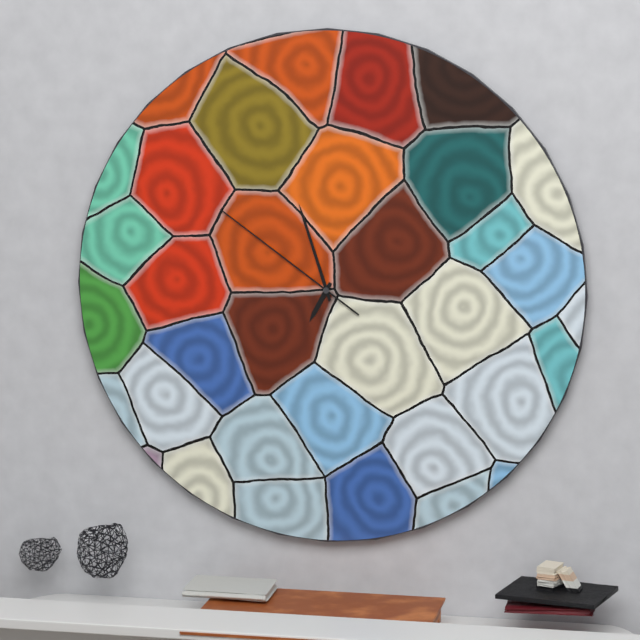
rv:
6.57.51
